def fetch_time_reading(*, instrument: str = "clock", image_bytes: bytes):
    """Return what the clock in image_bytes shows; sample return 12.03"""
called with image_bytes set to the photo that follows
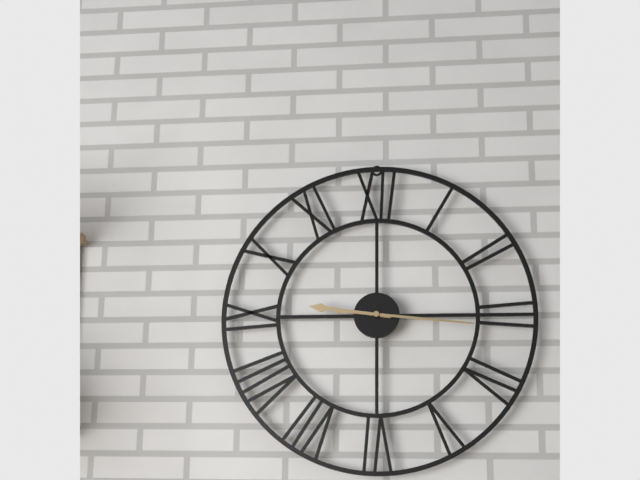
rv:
9.16
